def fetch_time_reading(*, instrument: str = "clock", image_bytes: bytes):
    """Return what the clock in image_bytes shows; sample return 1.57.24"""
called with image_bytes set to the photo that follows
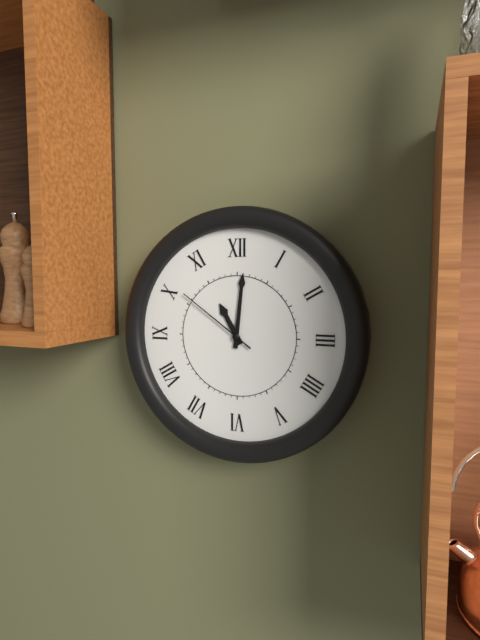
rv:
11.01.51
